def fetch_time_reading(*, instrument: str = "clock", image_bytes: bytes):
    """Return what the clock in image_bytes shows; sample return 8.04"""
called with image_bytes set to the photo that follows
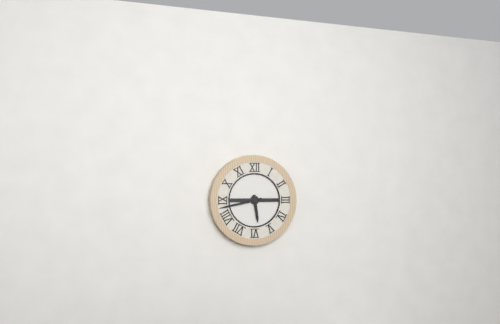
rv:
5.43
